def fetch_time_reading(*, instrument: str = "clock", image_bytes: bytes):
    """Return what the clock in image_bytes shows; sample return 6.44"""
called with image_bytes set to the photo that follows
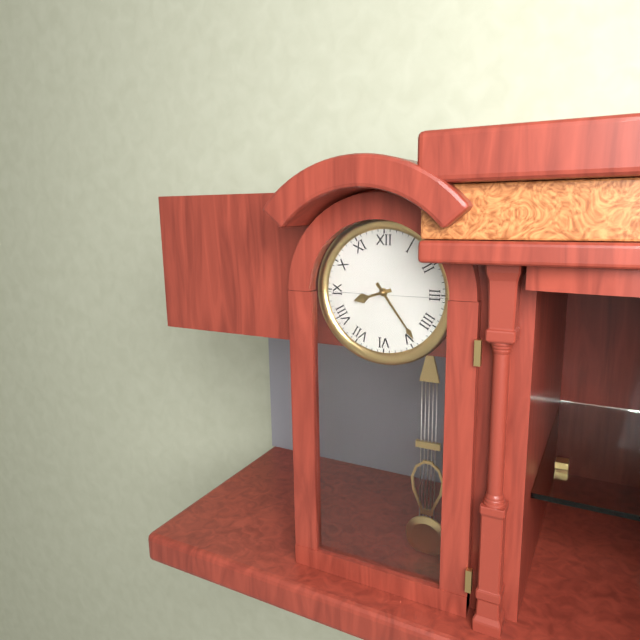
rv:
8.24
